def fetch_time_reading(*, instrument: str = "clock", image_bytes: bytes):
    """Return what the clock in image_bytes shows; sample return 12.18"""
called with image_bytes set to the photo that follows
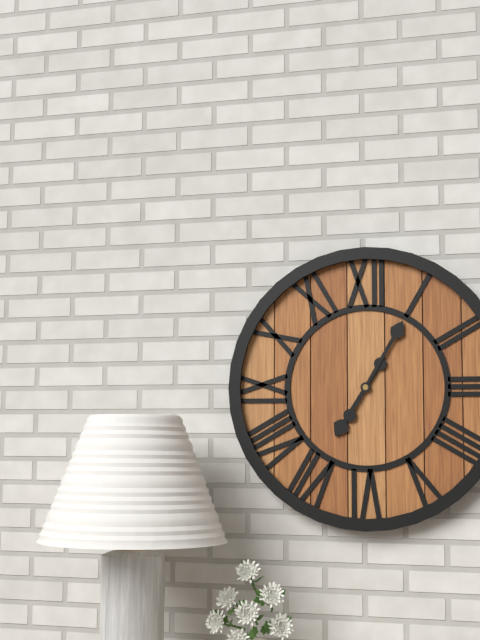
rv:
7.05
